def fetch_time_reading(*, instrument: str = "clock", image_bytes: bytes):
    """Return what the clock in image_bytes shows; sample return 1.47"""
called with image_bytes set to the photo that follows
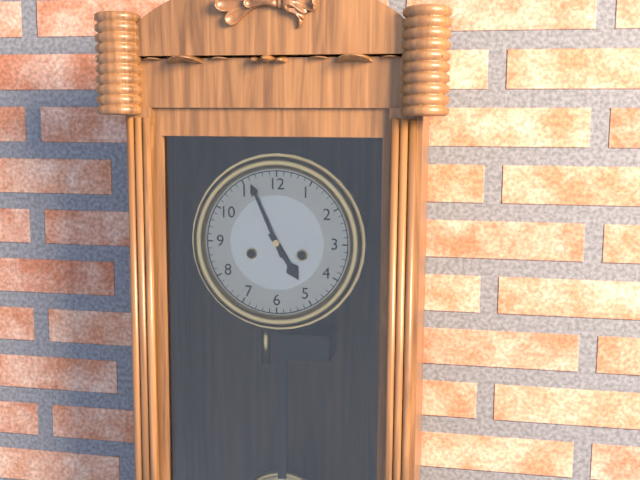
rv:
4.56
